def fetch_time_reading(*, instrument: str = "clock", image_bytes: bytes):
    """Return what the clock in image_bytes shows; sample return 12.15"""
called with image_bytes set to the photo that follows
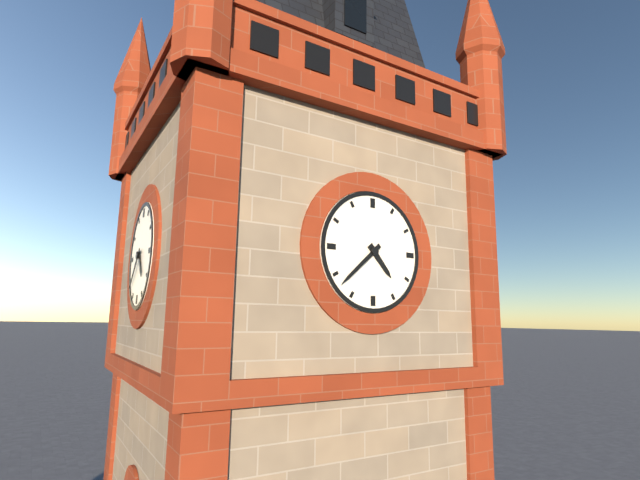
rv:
4.38
